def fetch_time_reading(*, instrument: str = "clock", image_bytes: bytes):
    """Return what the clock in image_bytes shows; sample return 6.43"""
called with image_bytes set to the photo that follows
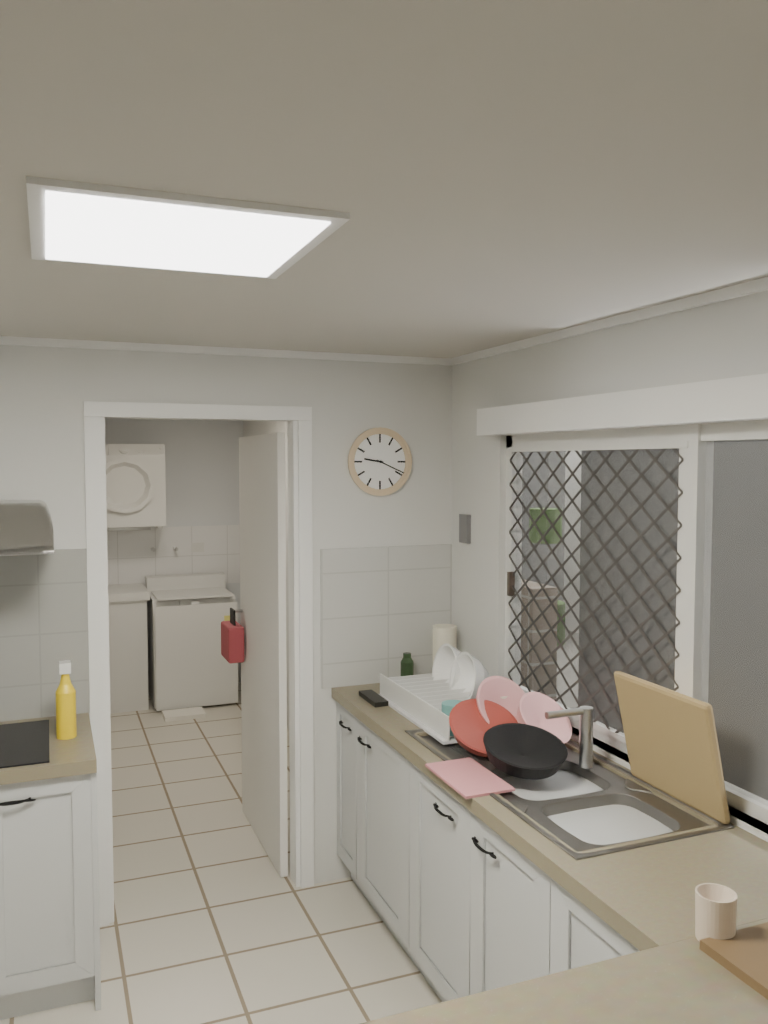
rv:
9.19
